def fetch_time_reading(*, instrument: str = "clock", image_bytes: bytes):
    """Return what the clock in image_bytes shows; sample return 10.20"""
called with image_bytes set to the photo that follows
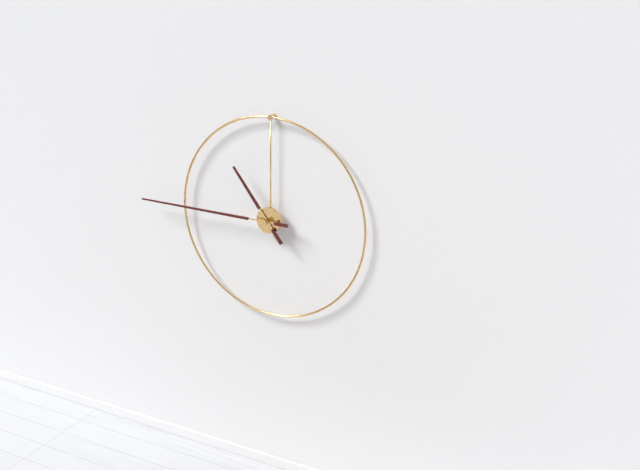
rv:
10.45
